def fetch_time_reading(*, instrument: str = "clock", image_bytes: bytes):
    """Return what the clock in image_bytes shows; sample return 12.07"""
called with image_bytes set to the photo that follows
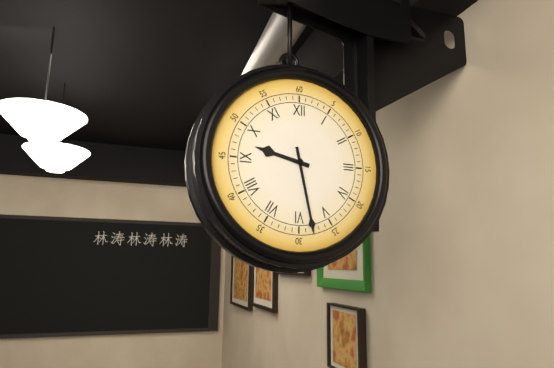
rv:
9.28
